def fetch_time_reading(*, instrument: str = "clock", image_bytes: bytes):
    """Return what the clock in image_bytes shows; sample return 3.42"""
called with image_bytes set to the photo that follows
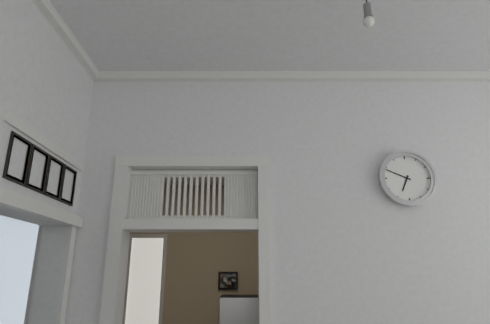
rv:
6.49
